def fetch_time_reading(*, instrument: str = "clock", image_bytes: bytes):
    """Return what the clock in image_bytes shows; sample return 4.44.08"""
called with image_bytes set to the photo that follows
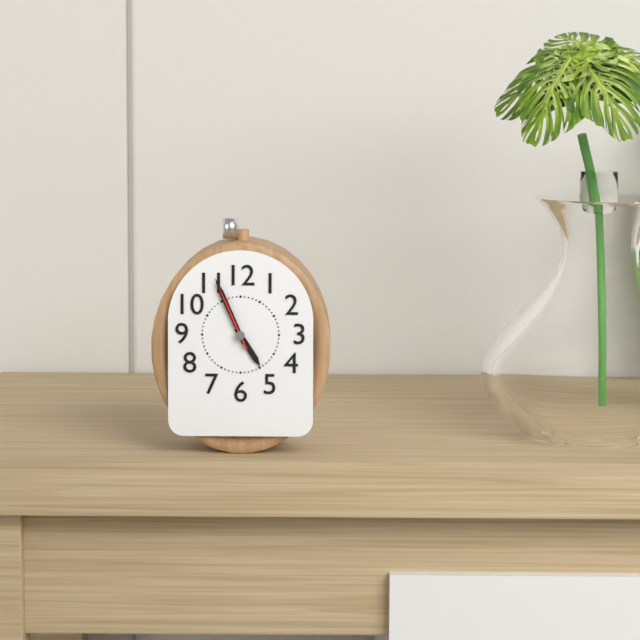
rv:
4.56.56
